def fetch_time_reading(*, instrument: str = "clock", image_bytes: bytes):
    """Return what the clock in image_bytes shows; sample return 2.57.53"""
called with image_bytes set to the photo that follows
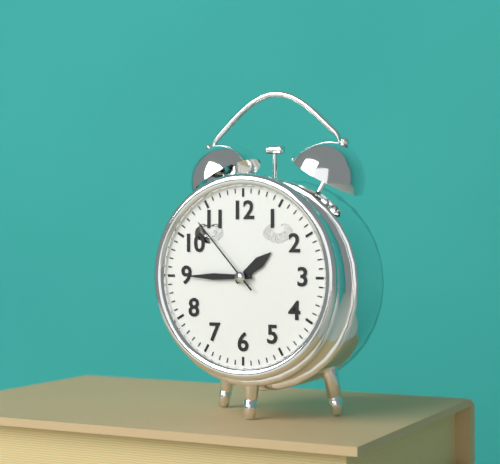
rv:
1.45.53
